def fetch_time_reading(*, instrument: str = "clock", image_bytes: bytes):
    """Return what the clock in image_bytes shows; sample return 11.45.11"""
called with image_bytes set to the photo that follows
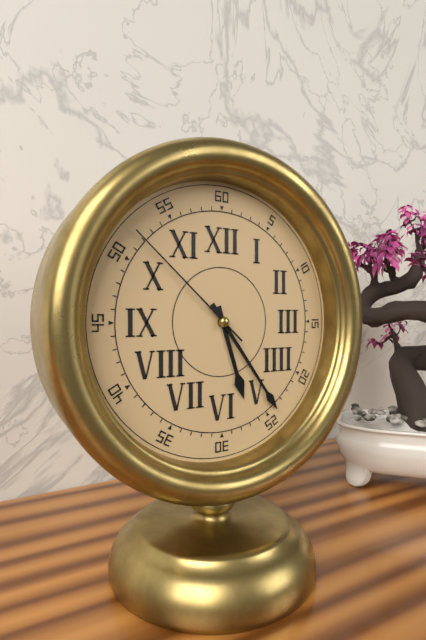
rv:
5.24.52
